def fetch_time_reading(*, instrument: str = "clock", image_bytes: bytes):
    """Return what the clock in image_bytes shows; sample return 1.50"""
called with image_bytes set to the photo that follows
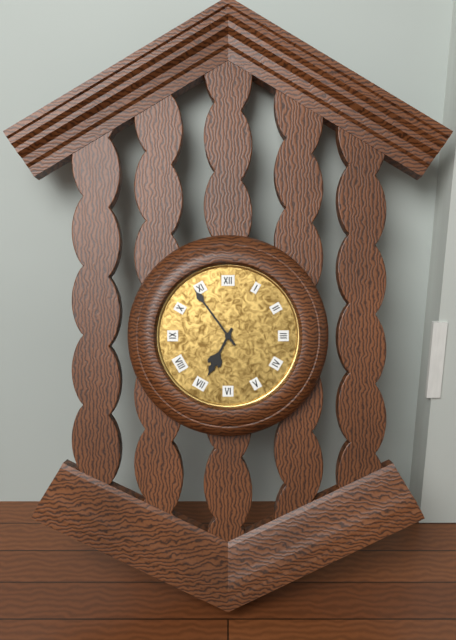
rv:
6.54
